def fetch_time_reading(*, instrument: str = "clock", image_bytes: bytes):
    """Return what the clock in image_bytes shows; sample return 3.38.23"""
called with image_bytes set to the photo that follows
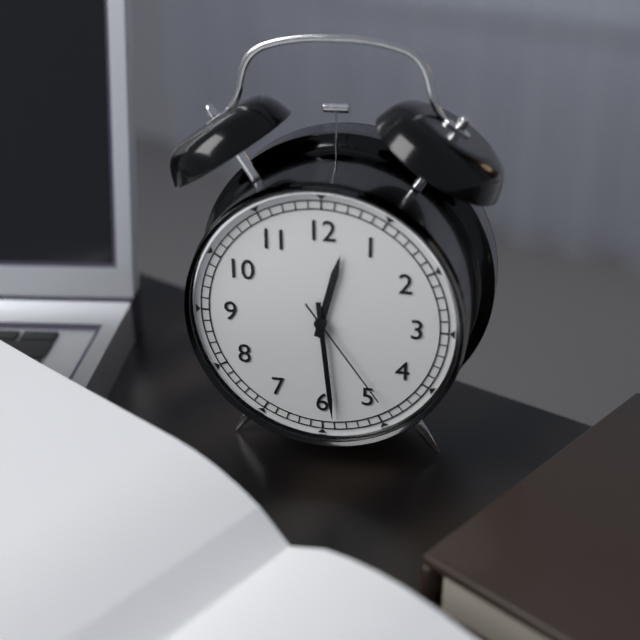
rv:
12.29.24
